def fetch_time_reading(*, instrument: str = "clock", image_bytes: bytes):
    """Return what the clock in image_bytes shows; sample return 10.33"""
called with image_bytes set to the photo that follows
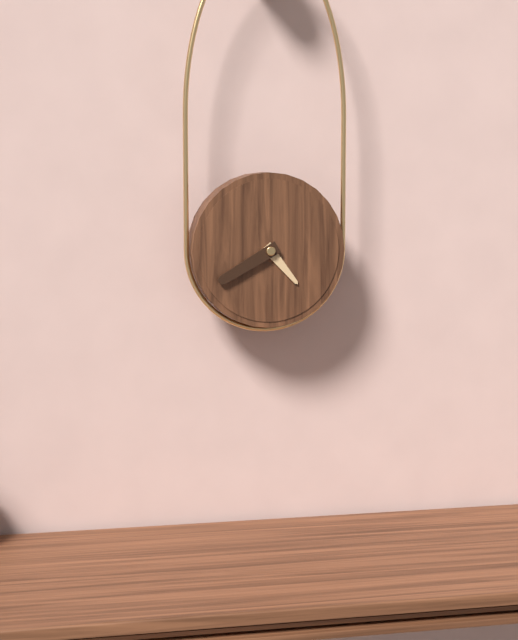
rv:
4.40
